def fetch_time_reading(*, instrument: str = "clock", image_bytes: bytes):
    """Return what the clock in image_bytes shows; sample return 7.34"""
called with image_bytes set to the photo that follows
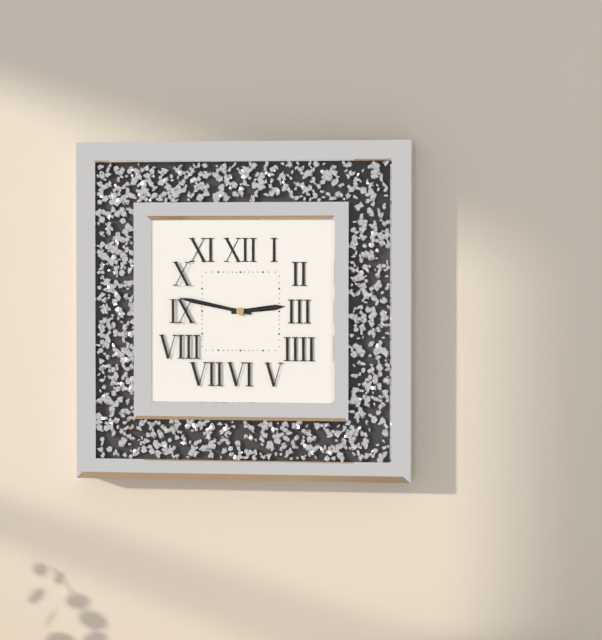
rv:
2.47
